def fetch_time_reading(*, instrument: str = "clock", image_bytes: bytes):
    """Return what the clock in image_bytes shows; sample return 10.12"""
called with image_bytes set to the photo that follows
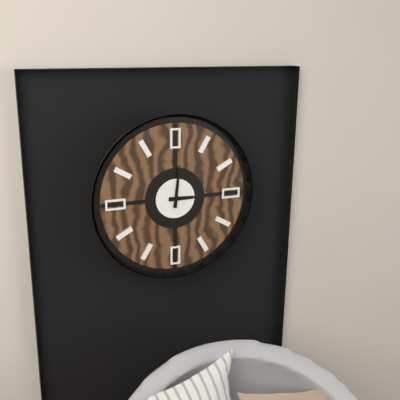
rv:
3.01
